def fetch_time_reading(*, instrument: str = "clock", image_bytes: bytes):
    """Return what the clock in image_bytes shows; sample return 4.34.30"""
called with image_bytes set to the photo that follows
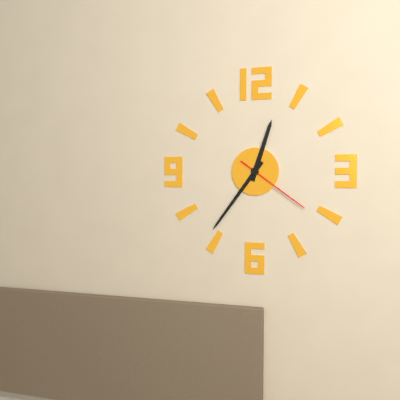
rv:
12.36.21
